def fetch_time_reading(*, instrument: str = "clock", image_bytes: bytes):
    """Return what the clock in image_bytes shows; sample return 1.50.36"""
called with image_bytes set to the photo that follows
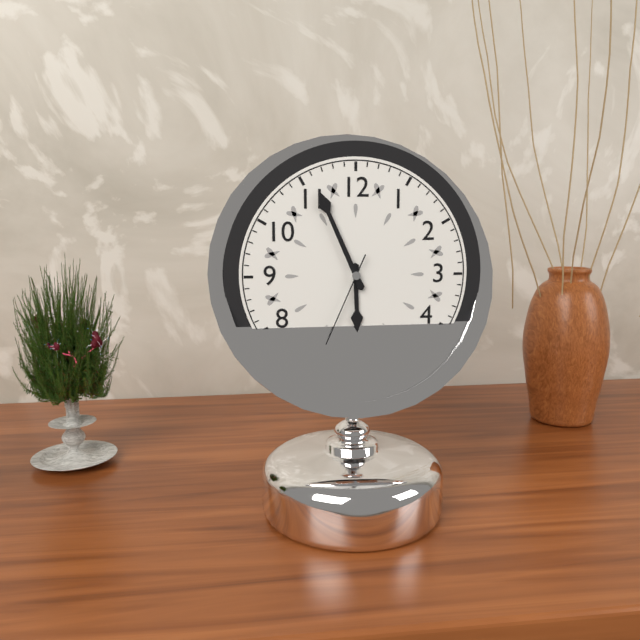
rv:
5.56.34
